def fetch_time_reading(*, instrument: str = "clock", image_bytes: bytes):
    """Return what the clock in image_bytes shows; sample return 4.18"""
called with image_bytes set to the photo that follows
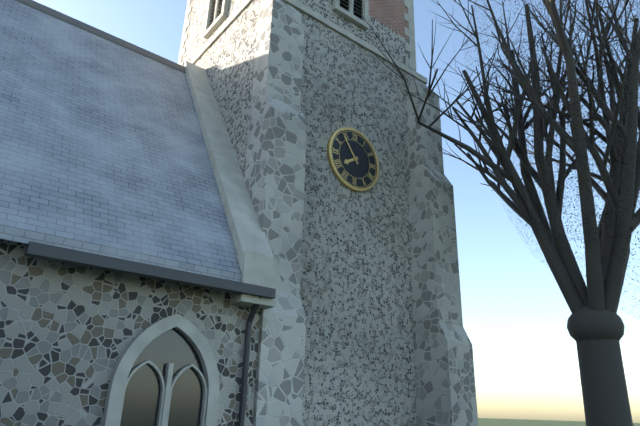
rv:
7.54
